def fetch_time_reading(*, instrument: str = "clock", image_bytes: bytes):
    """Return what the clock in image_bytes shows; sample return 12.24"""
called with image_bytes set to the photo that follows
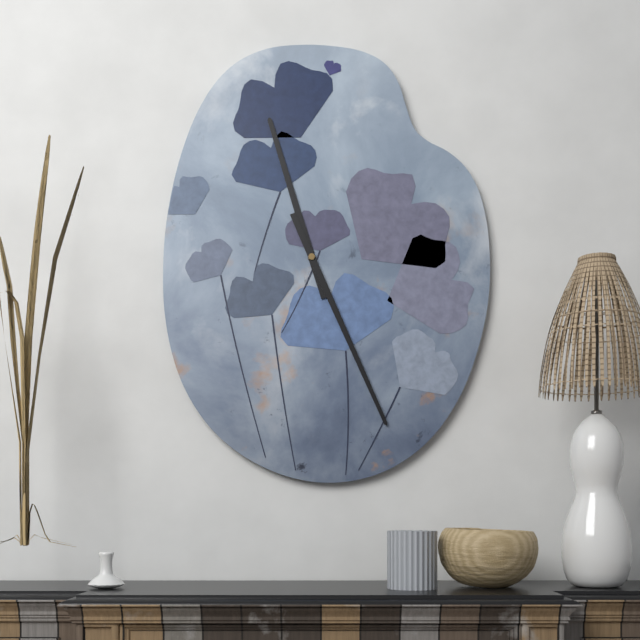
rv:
11.26
